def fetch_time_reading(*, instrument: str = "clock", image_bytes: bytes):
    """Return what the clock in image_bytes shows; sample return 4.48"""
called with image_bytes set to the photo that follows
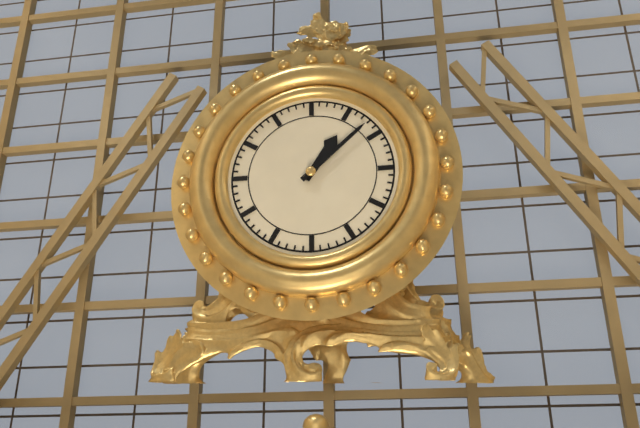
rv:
1.08
